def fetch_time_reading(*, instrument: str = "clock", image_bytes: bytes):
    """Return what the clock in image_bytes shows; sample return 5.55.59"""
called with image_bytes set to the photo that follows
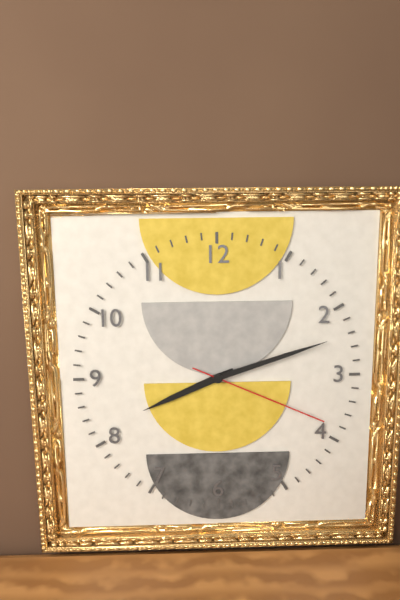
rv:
8.12.19
